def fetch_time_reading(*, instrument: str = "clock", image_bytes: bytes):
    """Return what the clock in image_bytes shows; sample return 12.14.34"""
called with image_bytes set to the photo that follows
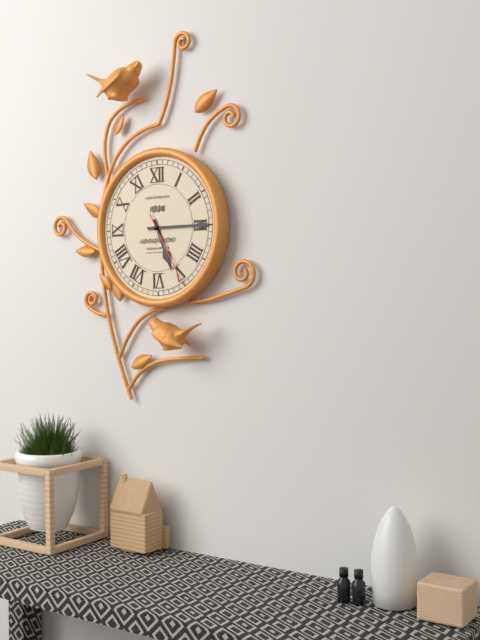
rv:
5.15.25
